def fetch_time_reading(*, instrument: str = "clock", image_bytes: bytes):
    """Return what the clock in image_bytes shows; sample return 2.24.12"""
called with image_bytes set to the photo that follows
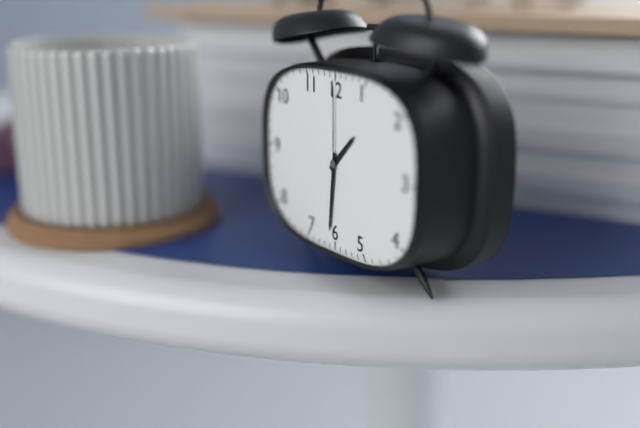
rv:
1.31.00
